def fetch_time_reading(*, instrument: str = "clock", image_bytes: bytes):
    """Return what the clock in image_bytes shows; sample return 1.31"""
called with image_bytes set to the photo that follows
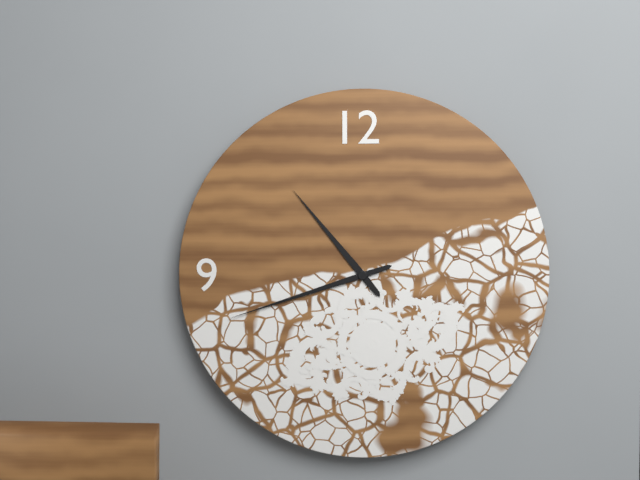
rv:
10.42
